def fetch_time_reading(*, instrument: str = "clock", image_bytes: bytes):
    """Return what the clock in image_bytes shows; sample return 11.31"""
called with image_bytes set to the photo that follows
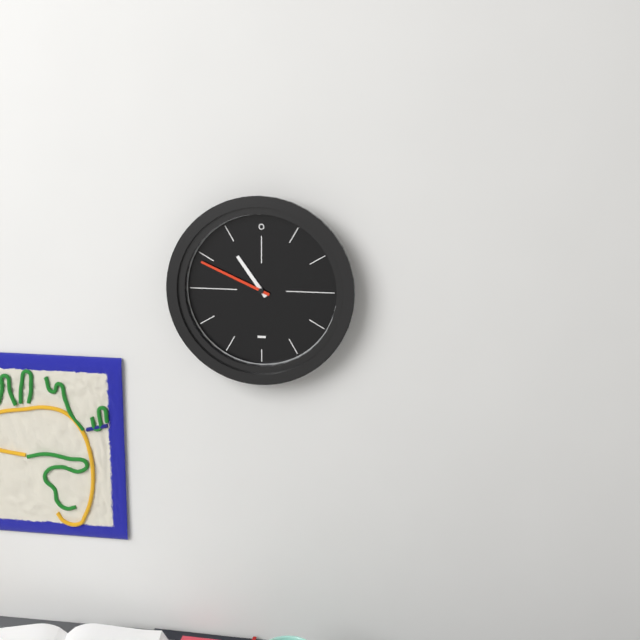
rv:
10.49
